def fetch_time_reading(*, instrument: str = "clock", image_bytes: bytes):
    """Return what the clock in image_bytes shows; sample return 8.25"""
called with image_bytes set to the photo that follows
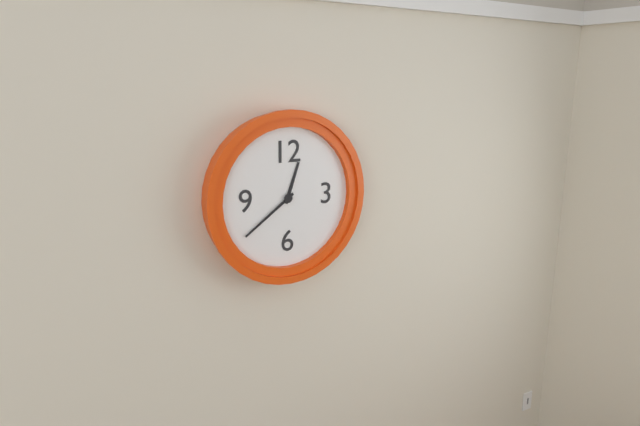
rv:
12.39
